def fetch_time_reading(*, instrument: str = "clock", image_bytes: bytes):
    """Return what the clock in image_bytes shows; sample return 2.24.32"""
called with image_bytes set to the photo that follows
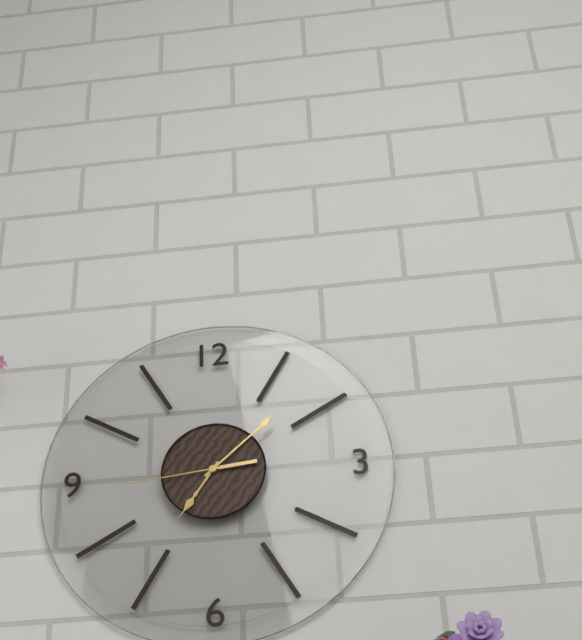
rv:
7.08.44
